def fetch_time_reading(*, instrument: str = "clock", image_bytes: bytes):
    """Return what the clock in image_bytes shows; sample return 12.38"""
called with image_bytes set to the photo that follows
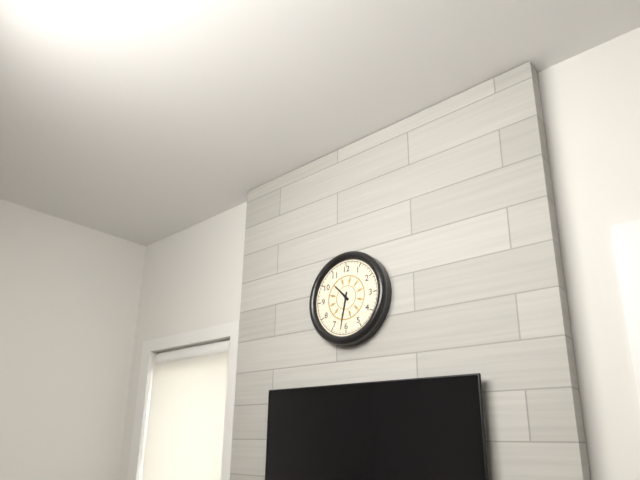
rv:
10.32
